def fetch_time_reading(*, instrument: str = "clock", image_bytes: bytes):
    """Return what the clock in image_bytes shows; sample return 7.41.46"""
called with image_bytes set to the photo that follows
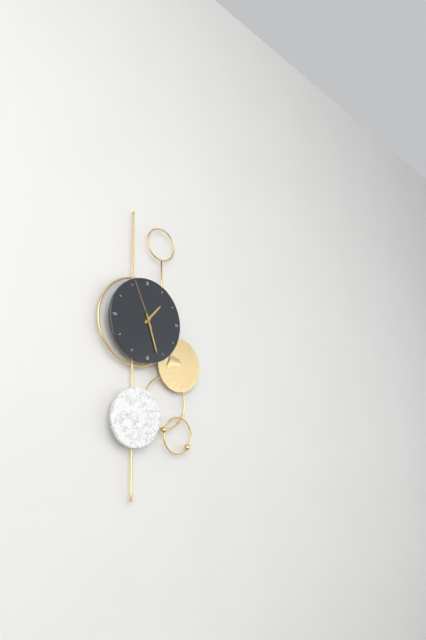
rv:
1.27.56
